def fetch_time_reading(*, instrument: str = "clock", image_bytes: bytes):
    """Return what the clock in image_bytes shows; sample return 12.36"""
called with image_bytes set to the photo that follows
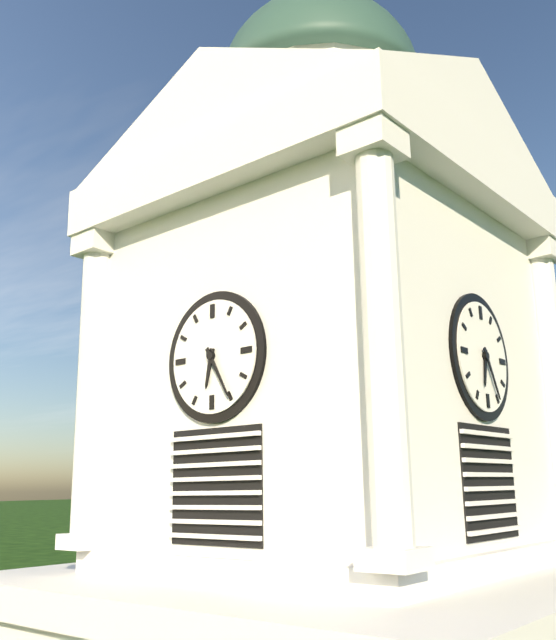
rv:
6.25
